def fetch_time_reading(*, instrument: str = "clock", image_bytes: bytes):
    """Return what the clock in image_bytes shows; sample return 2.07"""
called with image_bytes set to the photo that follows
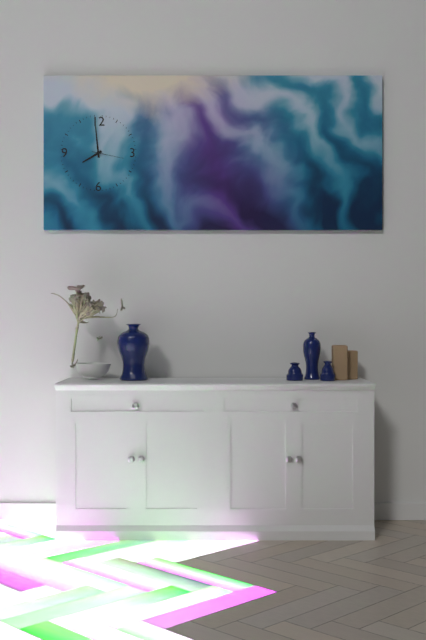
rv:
7.59
